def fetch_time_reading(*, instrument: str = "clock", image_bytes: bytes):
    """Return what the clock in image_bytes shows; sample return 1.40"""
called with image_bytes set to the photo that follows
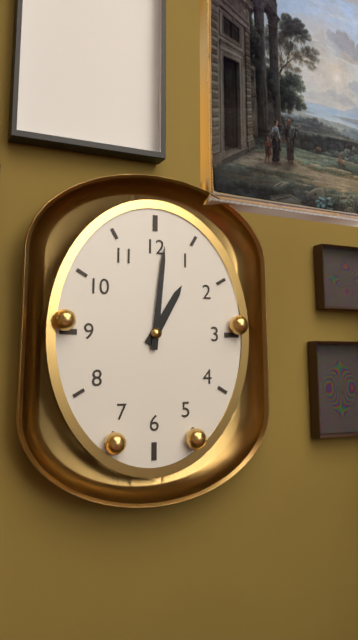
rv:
1.01
